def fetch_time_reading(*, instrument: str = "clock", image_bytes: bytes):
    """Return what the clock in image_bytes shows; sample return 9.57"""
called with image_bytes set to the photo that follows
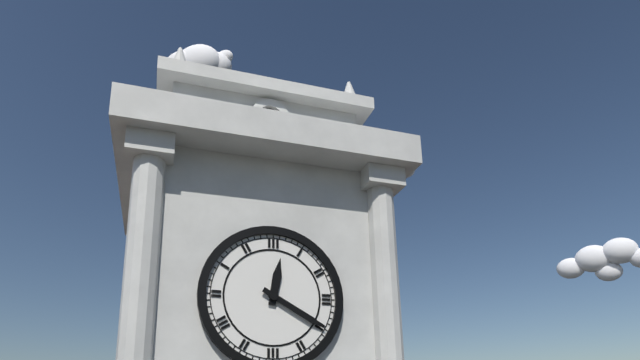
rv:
12.20
